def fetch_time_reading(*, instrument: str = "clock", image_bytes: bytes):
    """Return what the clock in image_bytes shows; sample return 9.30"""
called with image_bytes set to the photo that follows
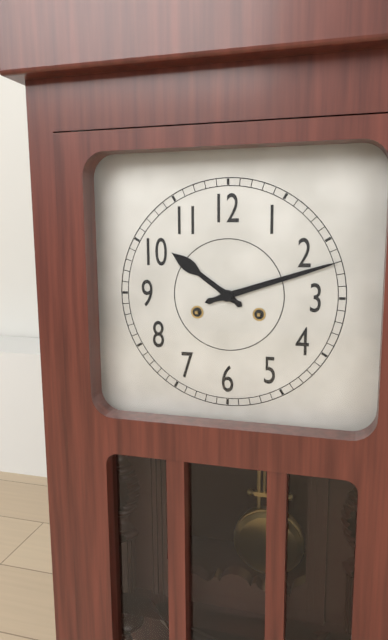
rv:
10.12
